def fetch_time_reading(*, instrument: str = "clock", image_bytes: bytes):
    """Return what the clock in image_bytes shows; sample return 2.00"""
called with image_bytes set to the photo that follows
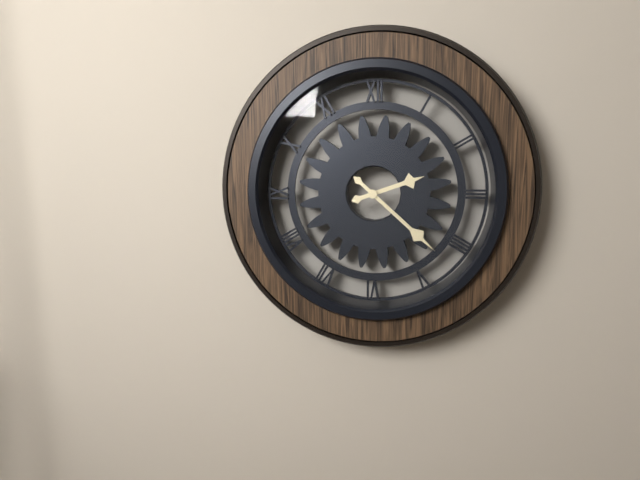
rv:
2.22
